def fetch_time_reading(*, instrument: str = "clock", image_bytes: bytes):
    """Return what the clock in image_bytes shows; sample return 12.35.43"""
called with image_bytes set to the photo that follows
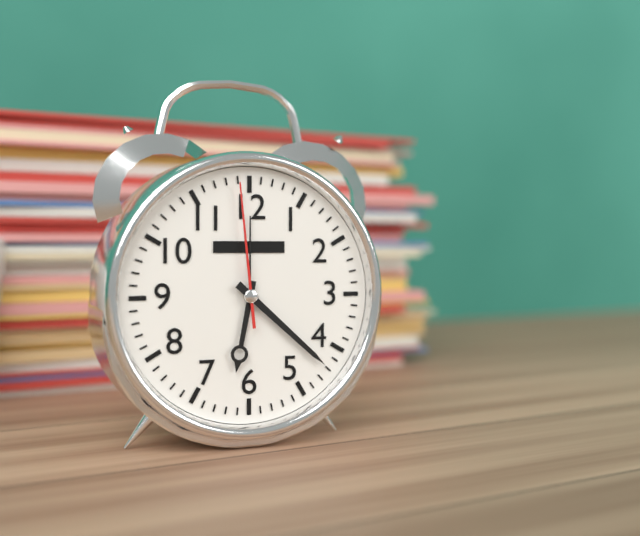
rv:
6.22.59
